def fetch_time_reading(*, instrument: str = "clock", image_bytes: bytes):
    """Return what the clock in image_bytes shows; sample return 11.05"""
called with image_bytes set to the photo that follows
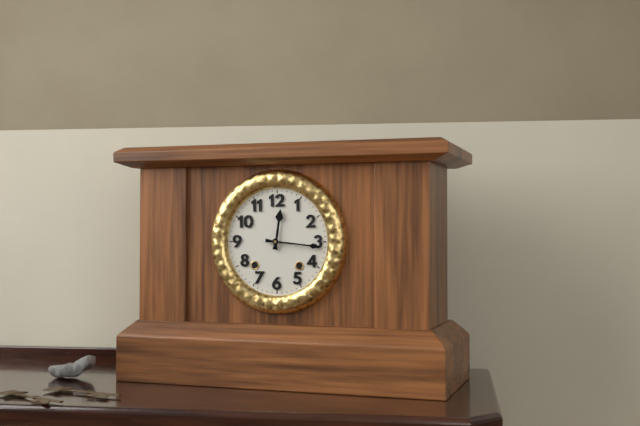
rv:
12.16
